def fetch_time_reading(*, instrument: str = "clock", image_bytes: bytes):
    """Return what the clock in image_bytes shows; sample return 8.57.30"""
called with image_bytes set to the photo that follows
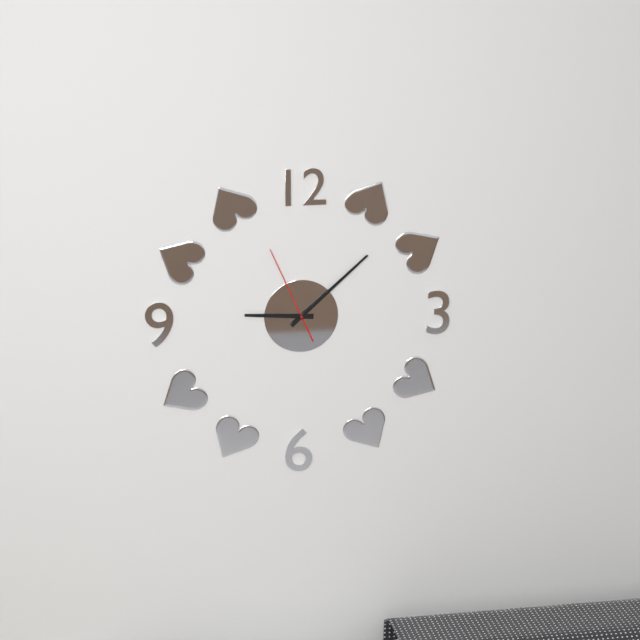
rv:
9.08.56
